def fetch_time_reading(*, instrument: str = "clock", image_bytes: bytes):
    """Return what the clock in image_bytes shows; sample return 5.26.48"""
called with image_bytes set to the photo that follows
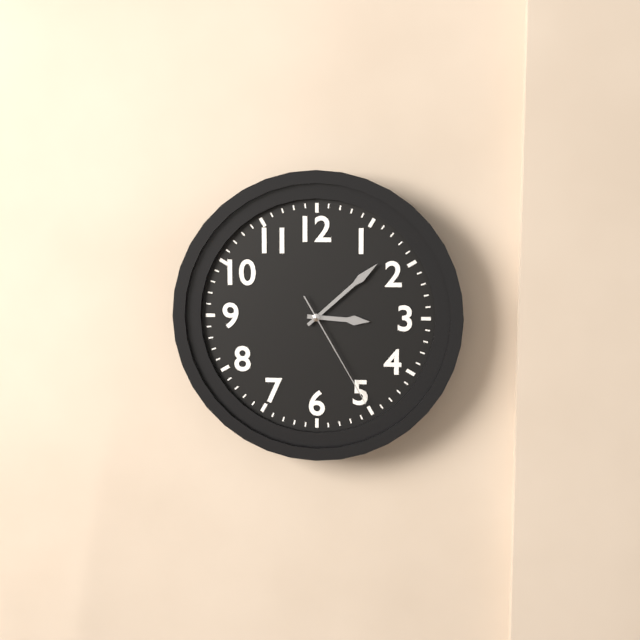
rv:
3.08.25
